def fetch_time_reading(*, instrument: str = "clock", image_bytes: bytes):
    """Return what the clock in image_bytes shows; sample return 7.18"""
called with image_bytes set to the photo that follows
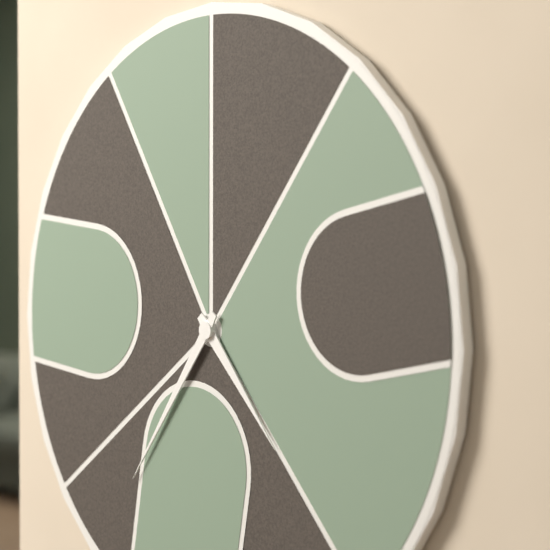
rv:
4.36
